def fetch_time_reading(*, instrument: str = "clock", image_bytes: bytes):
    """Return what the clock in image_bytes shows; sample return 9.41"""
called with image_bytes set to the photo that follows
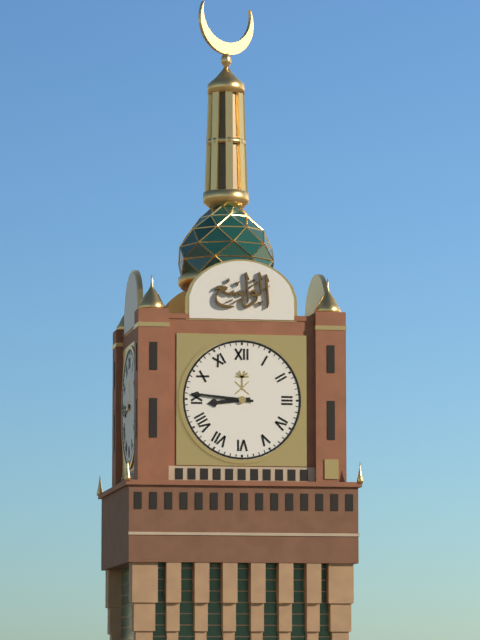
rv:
8.46
